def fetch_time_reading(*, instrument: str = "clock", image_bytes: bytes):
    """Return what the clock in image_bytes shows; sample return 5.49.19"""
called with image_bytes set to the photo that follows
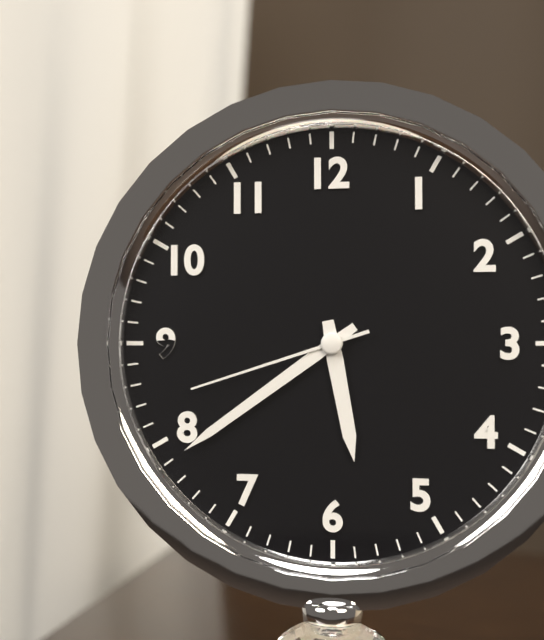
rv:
5.39.42
